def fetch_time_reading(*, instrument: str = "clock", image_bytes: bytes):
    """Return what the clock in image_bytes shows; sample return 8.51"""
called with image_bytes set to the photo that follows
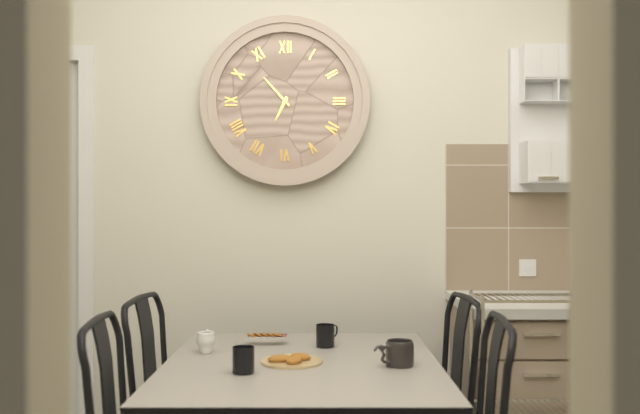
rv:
6.53
